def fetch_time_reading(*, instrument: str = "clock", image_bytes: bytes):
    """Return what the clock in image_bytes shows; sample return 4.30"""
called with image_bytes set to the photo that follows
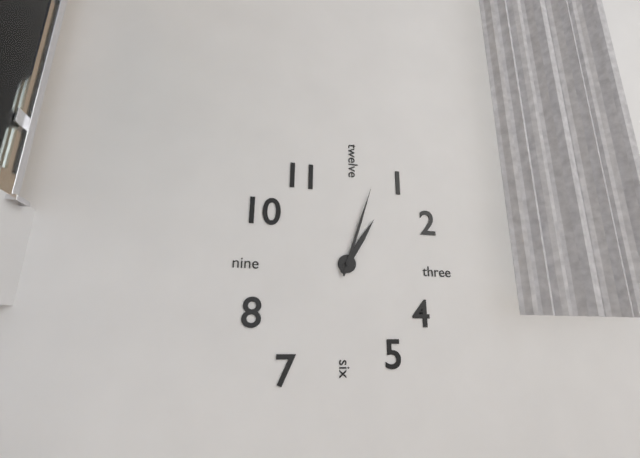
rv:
1.03
